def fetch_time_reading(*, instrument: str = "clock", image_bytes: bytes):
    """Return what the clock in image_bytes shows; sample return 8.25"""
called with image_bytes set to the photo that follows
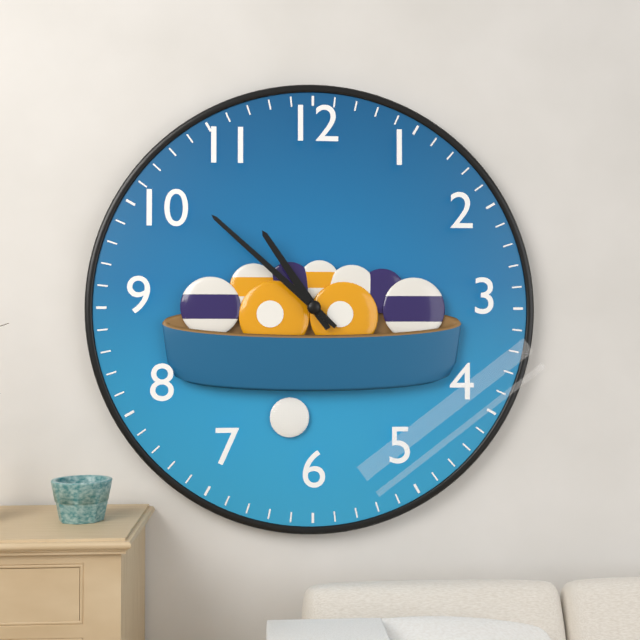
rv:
10.52
